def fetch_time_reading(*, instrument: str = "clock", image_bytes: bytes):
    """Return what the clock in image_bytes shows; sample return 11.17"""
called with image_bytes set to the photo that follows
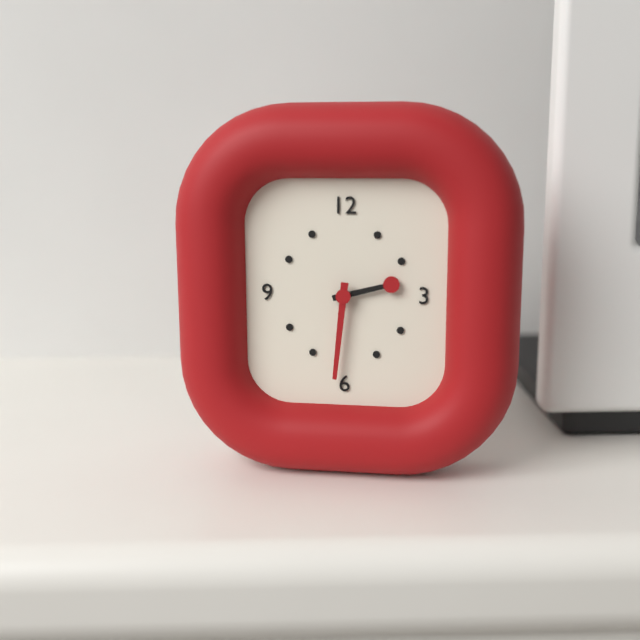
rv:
2.31
